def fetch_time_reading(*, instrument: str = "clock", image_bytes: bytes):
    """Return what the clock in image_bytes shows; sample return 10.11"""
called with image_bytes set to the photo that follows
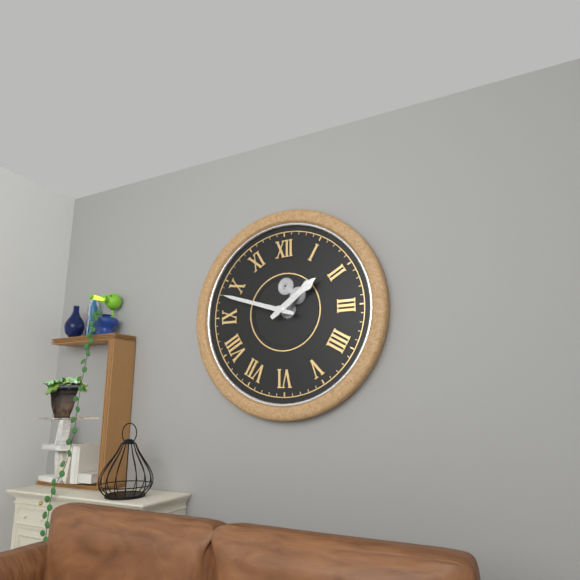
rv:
1.48
